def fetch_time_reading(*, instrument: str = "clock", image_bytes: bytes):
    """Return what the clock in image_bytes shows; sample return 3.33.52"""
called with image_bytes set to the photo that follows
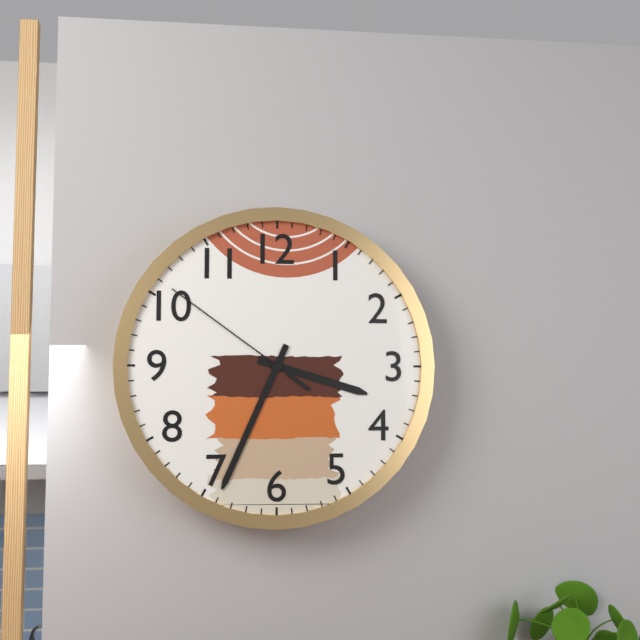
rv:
3.34.51
